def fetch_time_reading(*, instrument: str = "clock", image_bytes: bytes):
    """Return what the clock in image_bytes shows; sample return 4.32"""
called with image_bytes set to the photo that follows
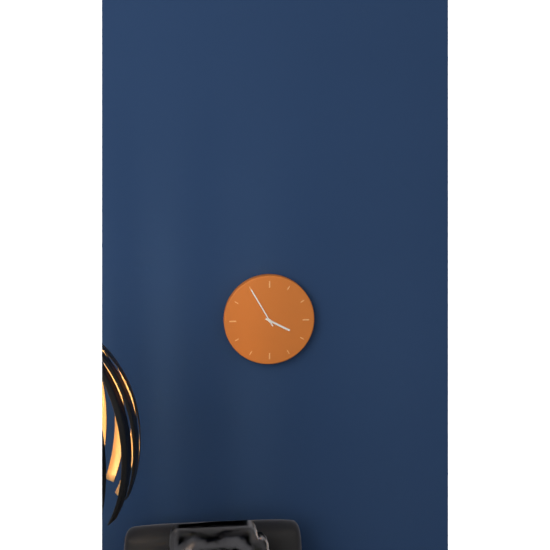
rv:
3.55
